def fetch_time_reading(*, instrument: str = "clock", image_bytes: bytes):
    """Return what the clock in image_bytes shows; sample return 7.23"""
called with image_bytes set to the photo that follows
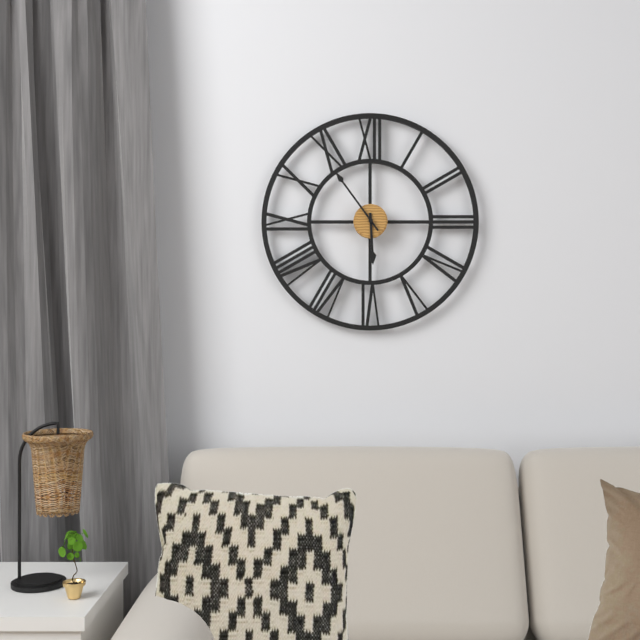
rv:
5.54
